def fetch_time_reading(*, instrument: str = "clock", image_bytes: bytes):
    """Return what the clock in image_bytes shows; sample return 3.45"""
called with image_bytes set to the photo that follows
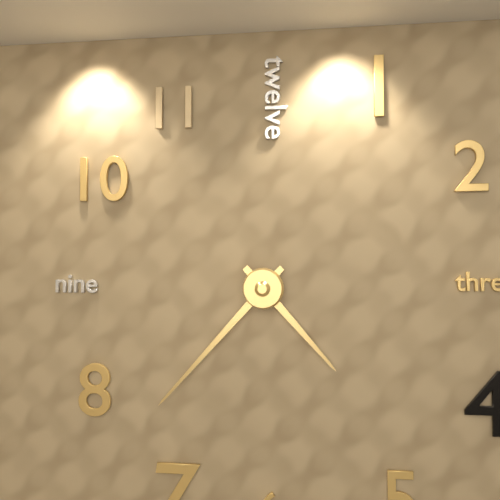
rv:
4.37
